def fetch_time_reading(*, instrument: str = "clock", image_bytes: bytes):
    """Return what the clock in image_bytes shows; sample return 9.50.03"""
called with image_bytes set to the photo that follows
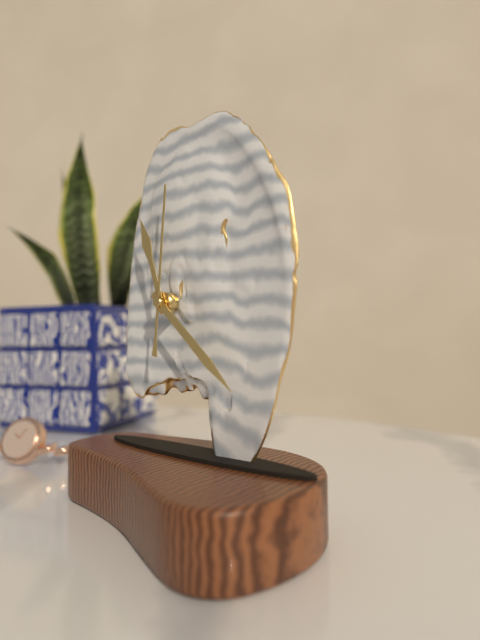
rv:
11.22.01
